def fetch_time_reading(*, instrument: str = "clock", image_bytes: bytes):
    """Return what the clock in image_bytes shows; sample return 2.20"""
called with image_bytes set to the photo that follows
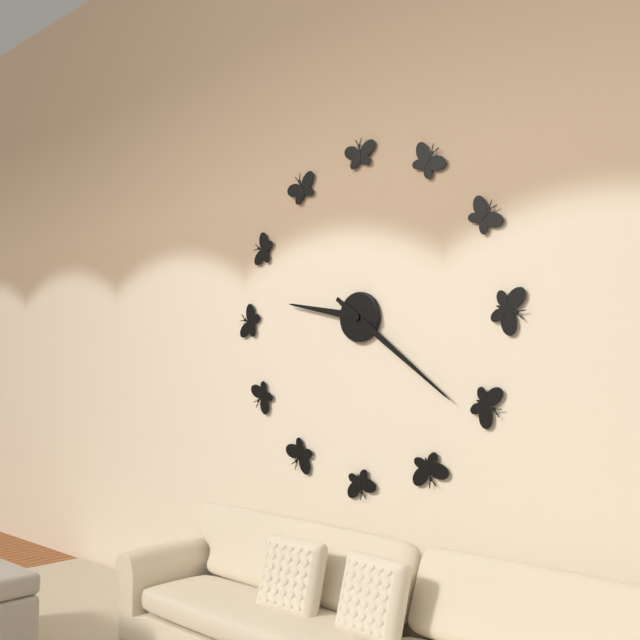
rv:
9.21
